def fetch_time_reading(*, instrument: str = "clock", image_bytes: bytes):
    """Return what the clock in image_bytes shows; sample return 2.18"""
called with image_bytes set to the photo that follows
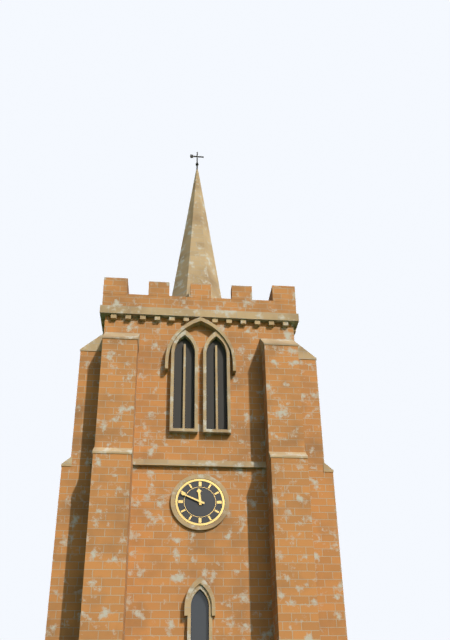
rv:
11.49
